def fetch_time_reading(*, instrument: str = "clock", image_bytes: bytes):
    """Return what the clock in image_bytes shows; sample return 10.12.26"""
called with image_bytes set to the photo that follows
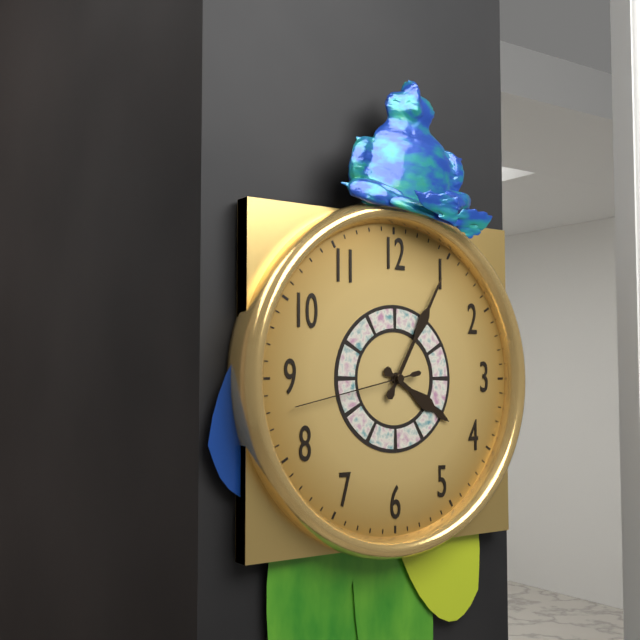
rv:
4.05.43
